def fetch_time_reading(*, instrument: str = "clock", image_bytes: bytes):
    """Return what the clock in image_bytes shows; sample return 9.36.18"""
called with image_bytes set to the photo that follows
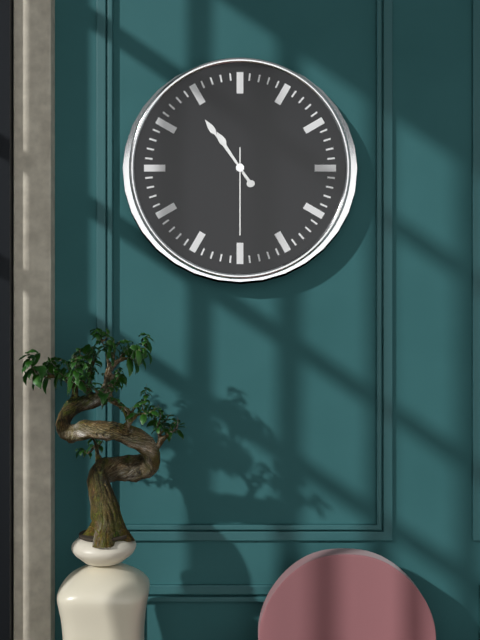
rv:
10.54.30
